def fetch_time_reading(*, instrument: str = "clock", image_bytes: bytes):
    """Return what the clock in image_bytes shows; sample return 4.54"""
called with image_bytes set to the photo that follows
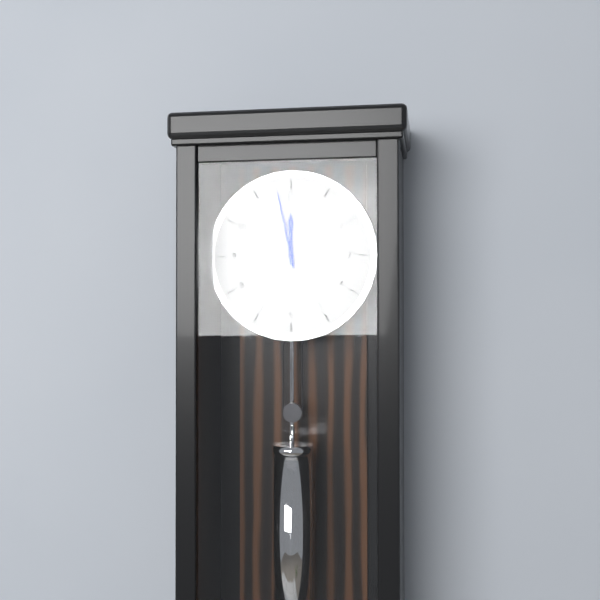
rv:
11.58
